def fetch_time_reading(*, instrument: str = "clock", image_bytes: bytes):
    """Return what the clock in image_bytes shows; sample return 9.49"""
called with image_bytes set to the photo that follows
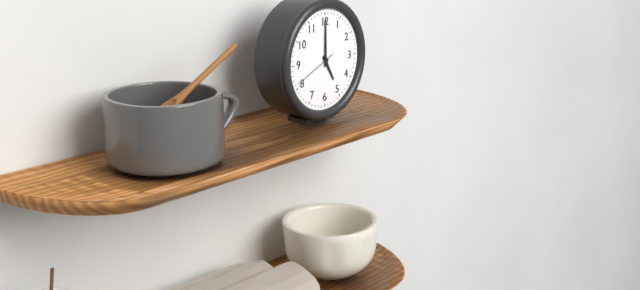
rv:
5.00
